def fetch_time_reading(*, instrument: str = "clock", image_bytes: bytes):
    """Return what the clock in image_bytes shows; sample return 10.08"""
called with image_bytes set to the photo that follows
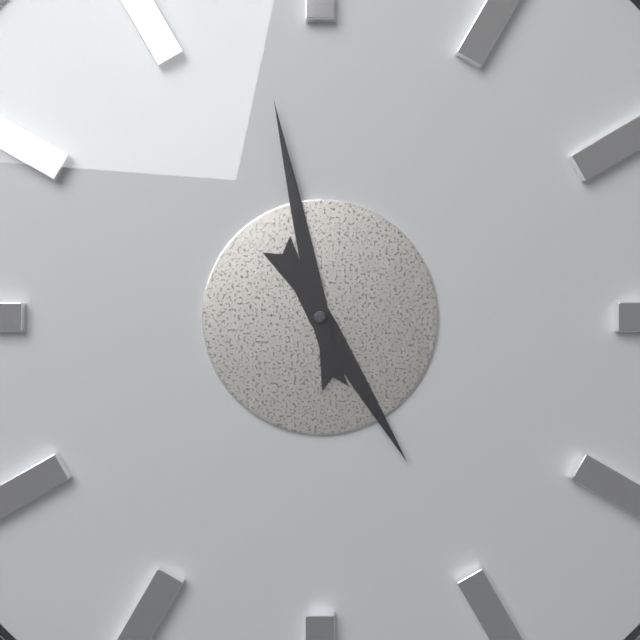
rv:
4.58
